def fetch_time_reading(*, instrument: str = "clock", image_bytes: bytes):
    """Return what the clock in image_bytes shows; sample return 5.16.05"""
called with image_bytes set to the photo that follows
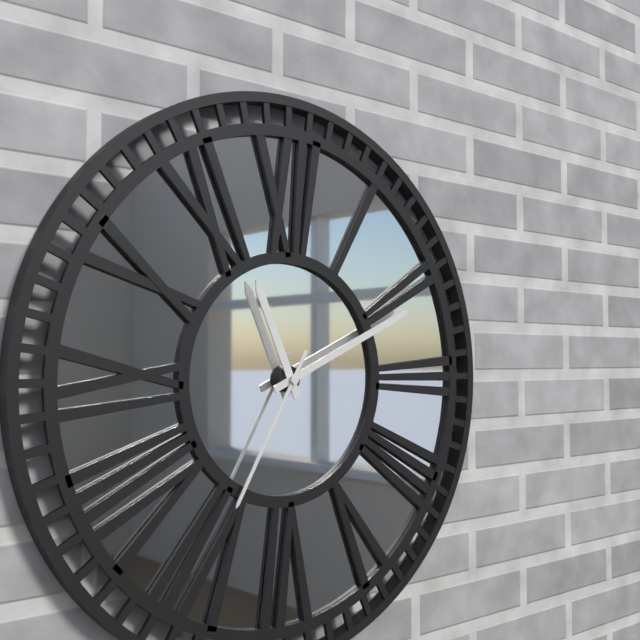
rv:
11.11.35
